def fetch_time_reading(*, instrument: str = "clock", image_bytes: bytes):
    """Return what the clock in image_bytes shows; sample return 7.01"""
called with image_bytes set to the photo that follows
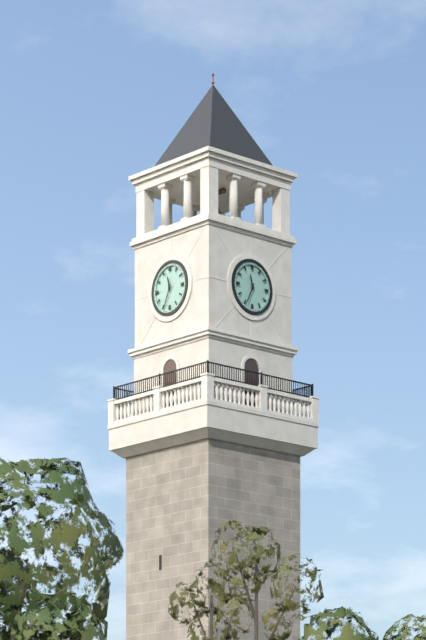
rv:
11.34
